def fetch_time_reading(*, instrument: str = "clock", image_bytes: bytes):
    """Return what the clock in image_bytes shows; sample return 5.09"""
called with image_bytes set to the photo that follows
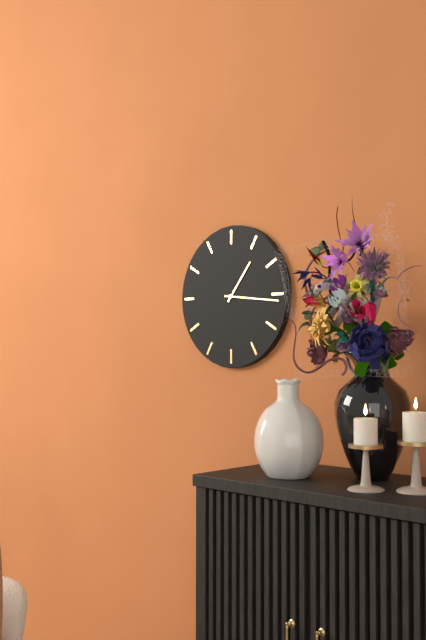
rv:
1.16
